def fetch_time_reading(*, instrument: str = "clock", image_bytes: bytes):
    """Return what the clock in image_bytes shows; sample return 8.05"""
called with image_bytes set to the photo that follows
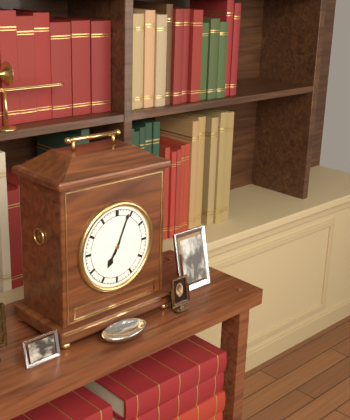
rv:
7.04
